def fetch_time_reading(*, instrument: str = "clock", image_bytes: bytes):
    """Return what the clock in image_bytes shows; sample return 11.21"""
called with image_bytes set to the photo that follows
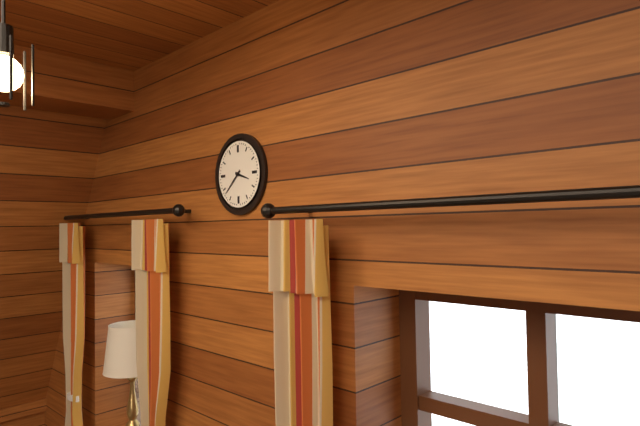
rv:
3.38
